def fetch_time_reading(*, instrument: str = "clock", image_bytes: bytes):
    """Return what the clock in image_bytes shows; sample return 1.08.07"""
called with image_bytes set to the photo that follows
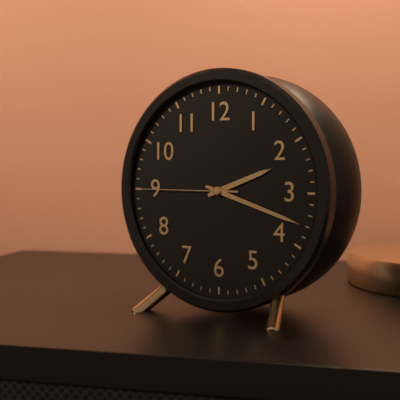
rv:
2.18.45
